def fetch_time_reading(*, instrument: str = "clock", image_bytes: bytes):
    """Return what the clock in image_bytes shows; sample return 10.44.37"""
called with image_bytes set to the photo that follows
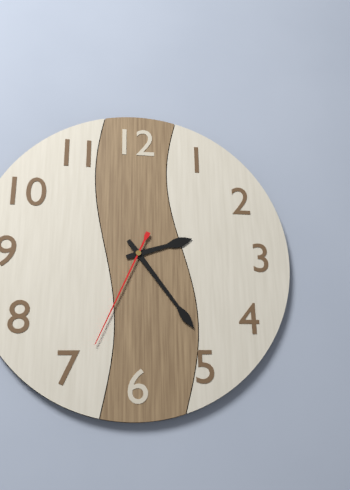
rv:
2.24.34
